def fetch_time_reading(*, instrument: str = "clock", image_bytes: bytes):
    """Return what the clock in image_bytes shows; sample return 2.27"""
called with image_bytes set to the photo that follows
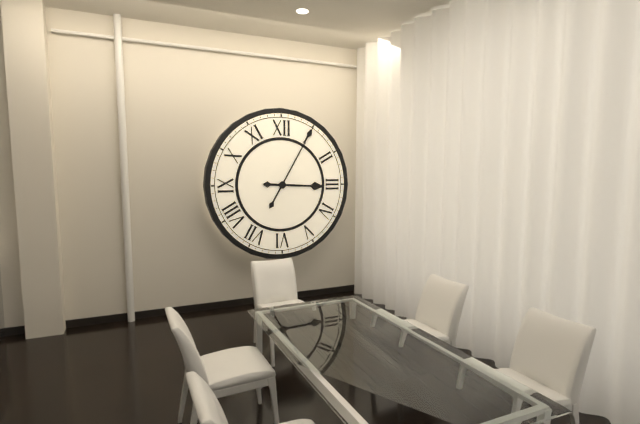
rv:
3.05
